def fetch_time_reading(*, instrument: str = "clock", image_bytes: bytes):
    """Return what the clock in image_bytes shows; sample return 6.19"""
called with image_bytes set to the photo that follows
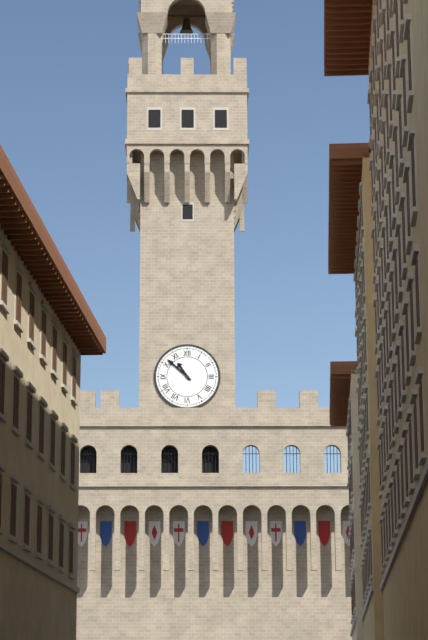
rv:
10.52
